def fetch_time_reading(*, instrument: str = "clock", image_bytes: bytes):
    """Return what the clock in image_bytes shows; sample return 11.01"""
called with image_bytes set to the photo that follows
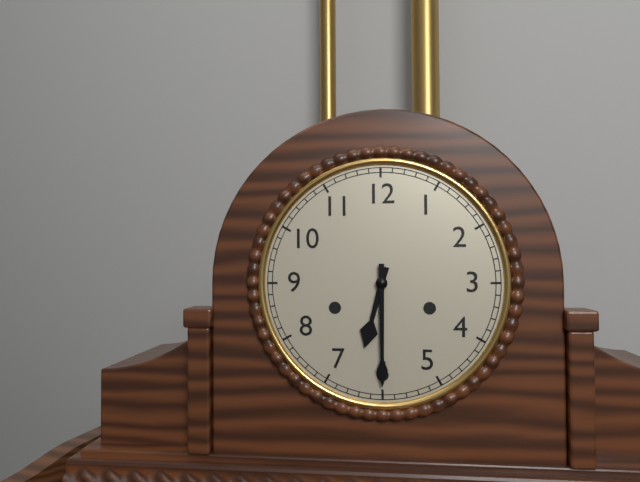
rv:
6.30
